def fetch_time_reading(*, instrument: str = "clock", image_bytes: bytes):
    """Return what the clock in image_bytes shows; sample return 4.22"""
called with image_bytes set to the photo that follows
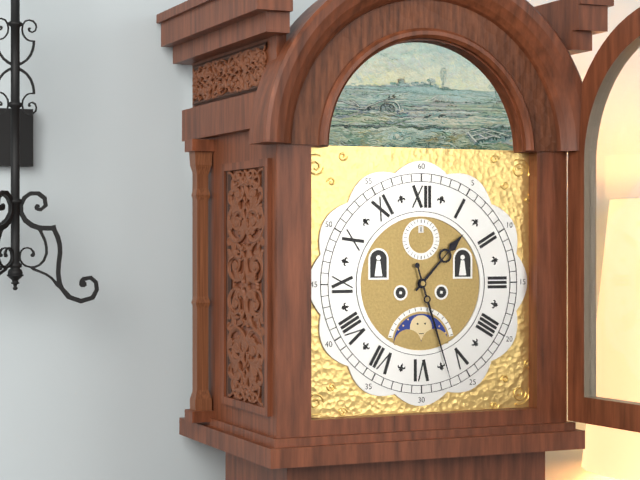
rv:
1.27
